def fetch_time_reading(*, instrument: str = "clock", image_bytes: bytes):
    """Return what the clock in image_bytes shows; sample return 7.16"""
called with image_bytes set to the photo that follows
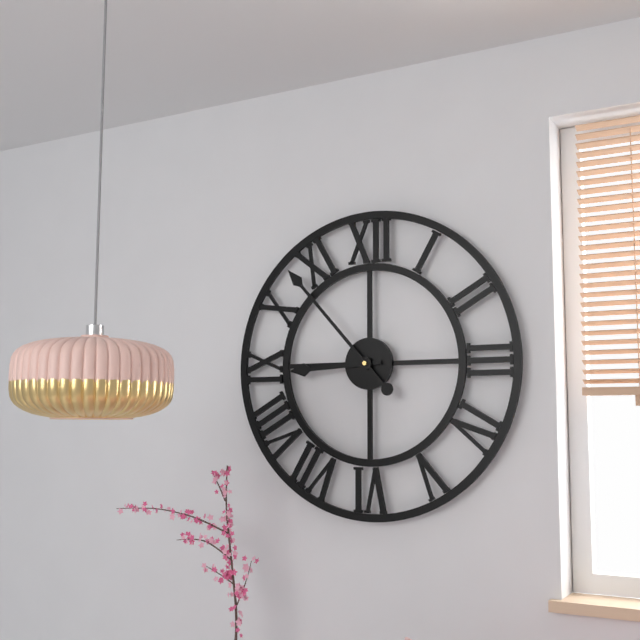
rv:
8.53
